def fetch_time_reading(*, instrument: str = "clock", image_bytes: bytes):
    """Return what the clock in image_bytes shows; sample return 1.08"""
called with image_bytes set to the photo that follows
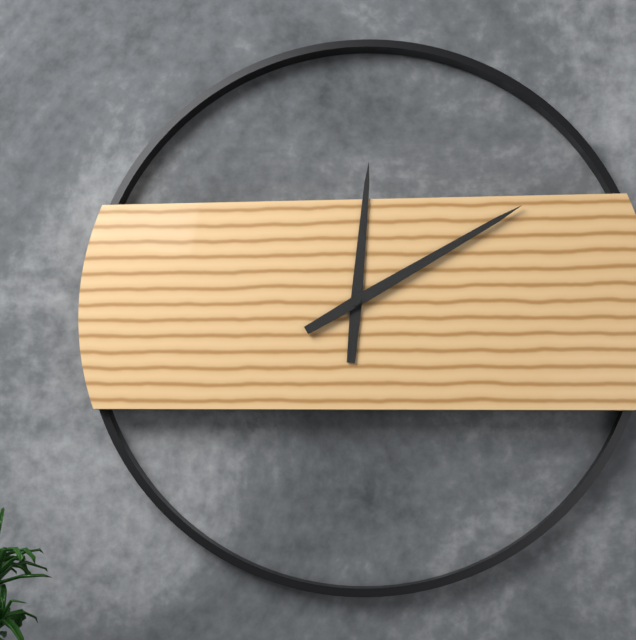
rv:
12.10
